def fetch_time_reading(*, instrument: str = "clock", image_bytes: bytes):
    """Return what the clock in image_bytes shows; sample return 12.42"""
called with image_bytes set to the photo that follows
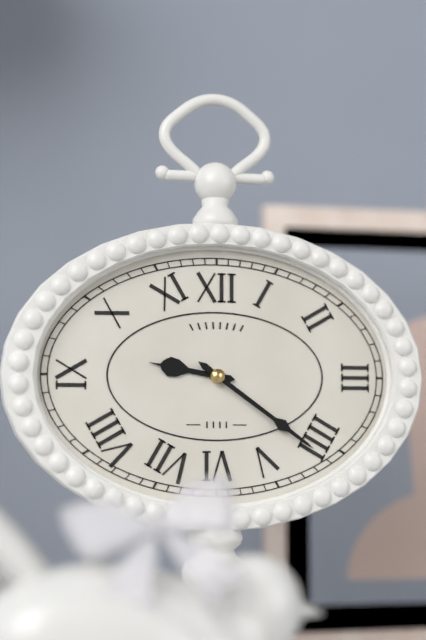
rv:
9.21
